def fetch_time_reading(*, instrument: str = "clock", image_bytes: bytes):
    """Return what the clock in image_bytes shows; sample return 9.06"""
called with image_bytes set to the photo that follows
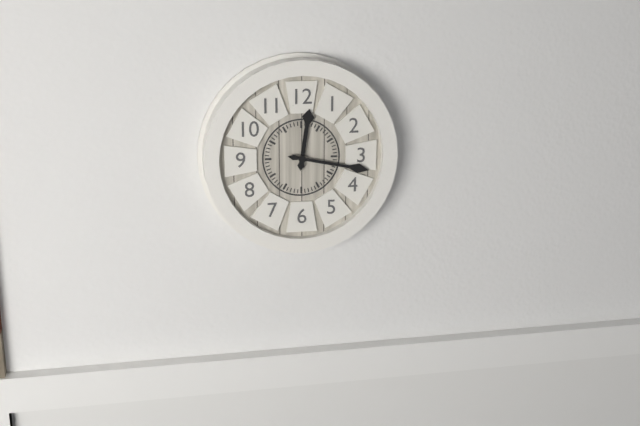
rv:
12.17
